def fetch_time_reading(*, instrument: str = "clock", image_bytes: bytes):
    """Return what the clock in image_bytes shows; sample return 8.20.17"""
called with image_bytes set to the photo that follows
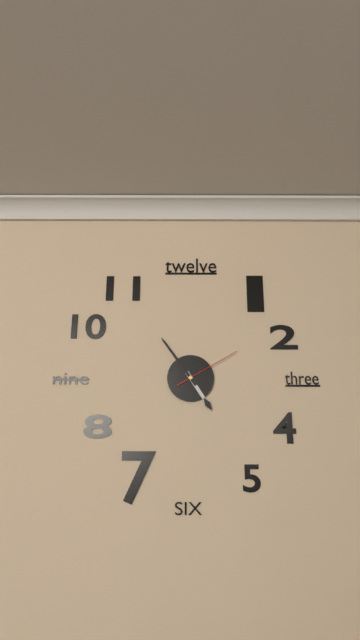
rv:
4.54.10
